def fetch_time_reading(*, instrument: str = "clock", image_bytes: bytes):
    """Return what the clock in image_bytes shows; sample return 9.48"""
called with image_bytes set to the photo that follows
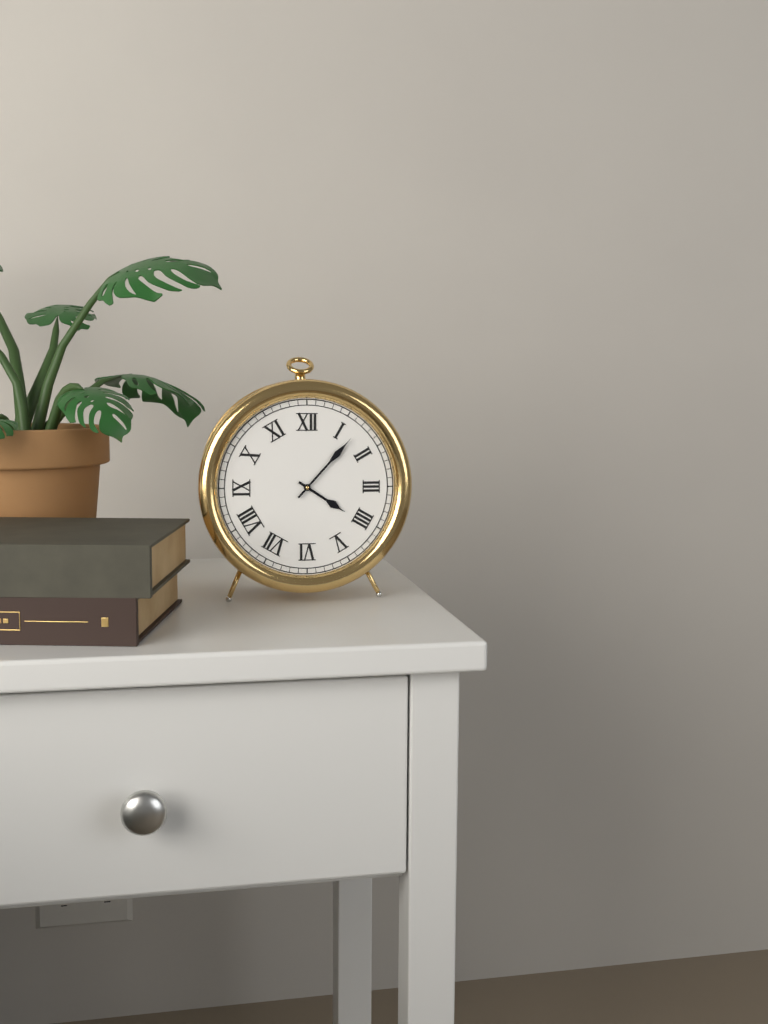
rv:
4.07
